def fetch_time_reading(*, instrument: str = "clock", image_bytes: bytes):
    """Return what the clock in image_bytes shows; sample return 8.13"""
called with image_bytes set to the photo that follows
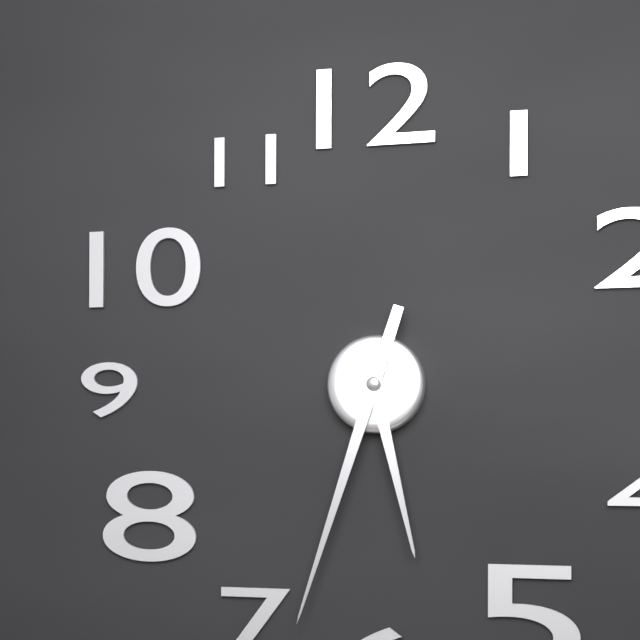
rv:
5.33
